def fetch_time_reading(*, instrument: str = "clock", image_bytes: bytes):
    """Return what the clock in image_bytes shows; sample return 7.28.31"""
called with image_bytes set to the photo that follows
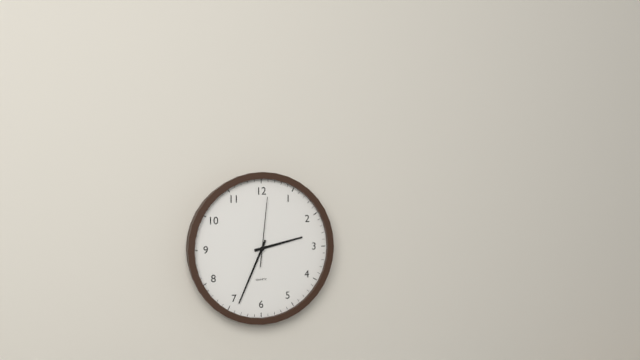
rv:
2.34.01
